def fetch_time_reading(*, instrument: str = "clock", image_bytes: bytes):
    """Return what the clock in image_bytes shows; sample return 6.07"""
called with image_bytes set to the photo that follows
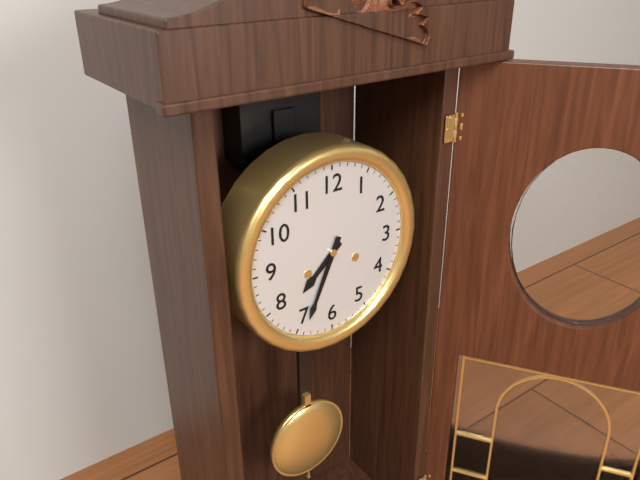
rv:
7.34
